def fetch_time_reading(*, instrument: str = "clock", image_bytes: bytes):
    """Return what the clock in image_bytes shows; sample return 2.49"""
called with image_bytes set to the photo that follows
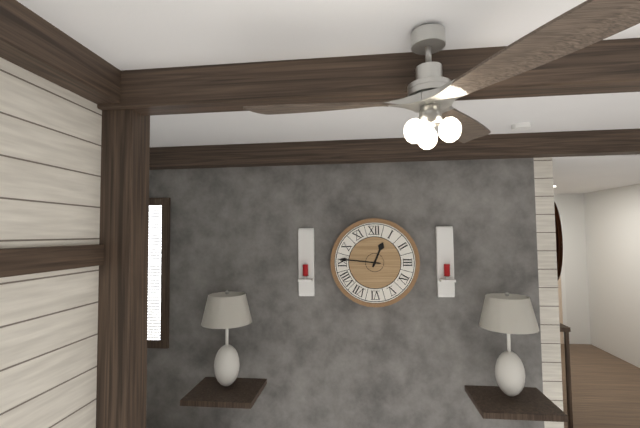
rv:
12.46
